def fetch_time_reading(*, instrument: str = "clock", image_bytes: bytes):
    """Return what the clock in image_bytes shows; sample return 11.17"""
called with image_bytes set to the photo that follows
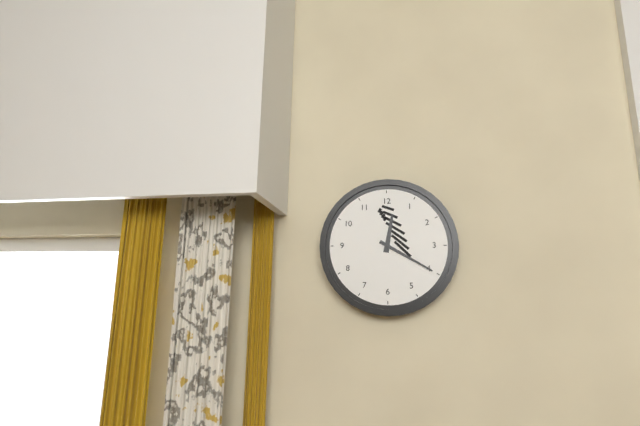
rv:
12.20
